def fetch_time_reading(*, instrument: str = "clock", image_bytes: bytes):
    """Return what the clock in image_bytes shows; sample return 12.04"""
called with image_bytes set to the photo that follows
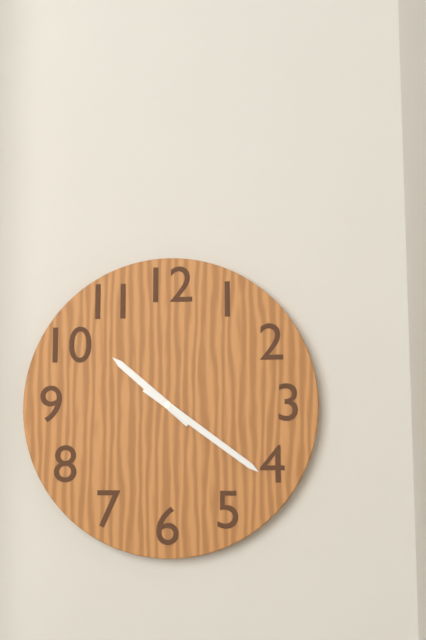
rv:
10.21
